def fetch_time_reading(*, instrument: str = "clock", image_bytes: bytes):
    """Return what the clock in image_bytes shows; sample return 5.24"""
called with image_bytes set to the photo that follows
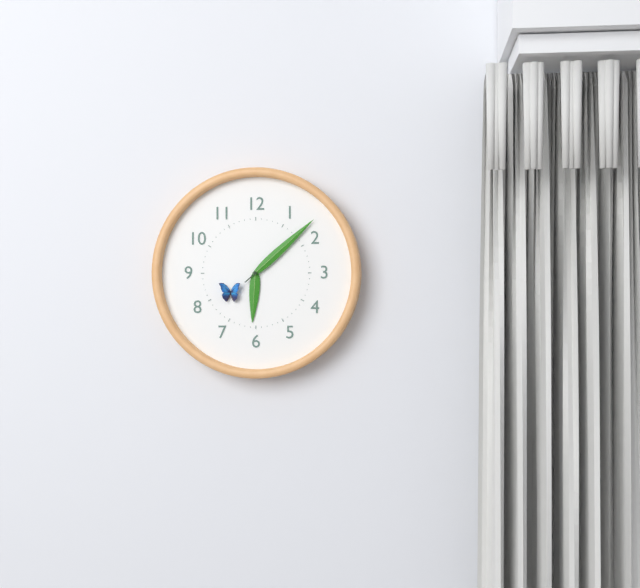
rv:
6.08
